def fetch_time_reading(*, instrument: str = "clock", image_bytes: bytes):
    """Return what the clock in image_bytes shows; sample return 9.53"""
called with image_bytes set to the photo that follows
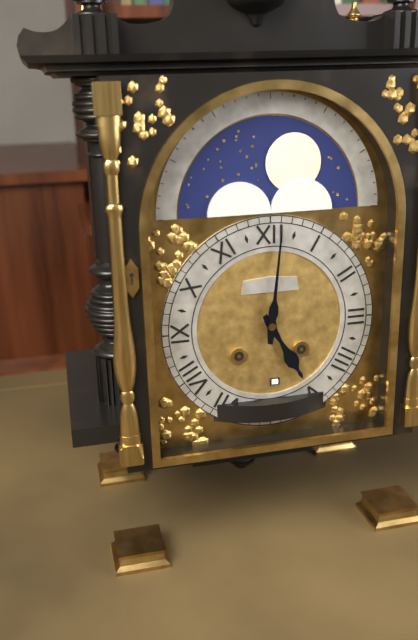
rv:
5.01
